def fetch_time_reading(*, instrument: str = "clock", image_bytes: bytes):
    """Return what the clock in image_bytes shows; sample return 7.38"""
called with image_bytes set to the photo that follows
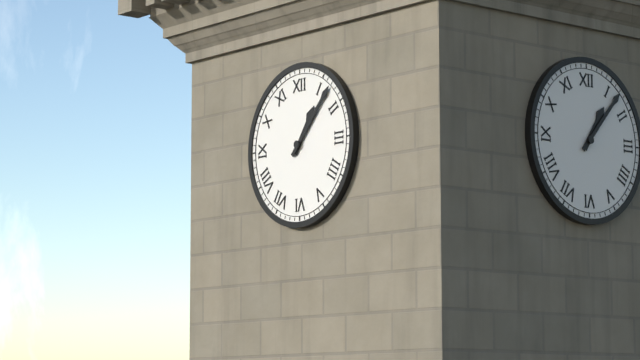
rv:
1.07
